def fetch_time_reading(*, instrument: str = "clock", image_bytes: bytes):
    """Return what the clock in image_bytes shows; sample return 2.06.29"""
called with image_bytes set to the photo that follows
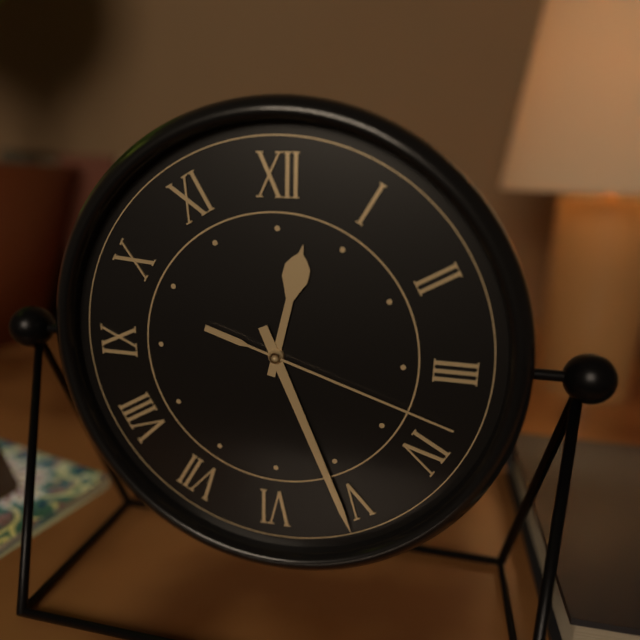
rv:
12.26.18
